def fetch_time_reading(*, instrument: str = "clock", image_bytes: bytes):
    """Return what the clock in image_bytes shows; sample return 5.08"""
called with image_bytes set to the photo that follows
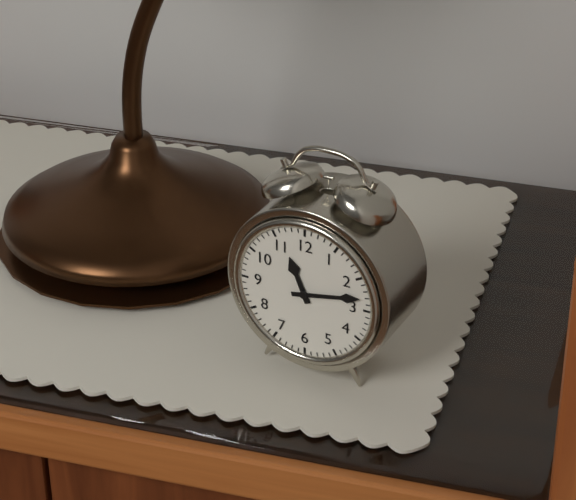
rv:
11.13
